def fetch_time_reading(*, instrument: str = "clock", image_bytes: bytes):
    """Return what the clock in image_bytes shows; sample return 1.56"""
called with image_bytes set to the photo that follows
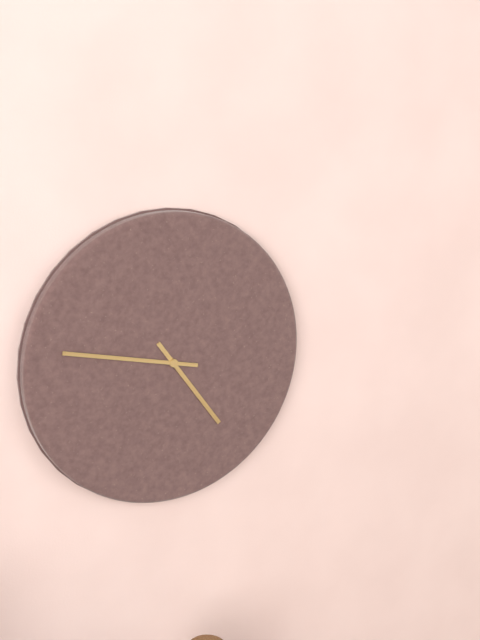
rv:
4.47
